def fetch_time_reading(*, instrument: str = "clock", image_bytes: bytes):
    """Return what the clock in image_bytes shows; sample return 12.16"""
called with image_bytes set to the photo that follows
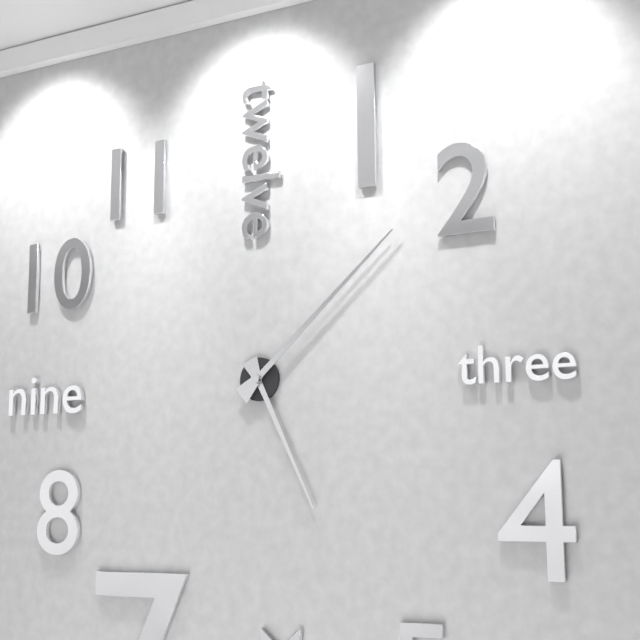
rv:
5.08
